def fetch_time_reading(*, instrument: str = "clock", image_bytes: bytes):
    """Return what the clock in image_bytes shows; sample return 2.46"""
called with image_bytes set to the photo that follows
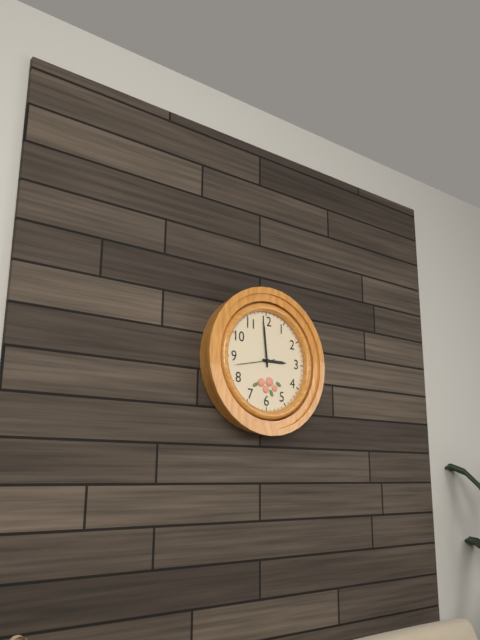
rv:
2.59
